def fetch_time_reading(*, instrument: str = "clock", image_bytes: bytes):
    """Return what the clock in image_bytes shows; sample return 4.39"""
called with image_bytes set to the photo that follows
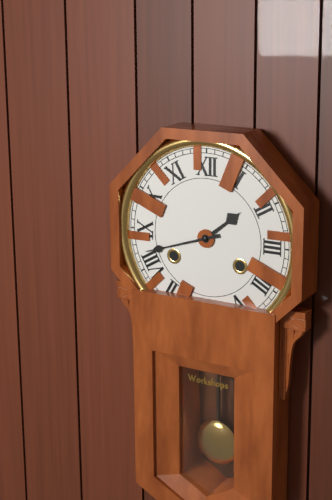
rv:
1.42
